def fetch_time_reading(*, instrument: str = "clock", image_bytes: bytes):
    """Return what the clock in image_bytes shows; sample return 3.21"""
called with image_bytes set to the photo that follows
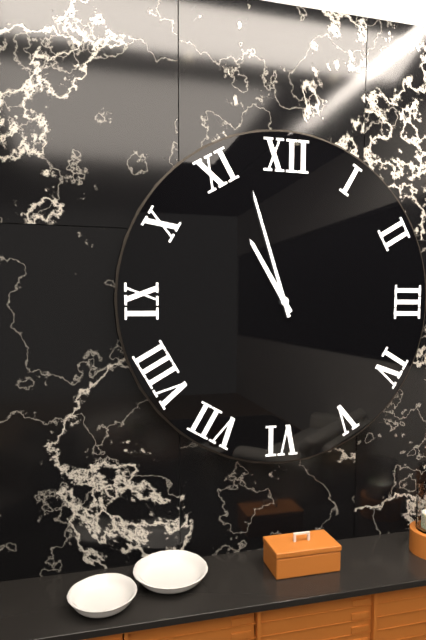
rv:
10.57
